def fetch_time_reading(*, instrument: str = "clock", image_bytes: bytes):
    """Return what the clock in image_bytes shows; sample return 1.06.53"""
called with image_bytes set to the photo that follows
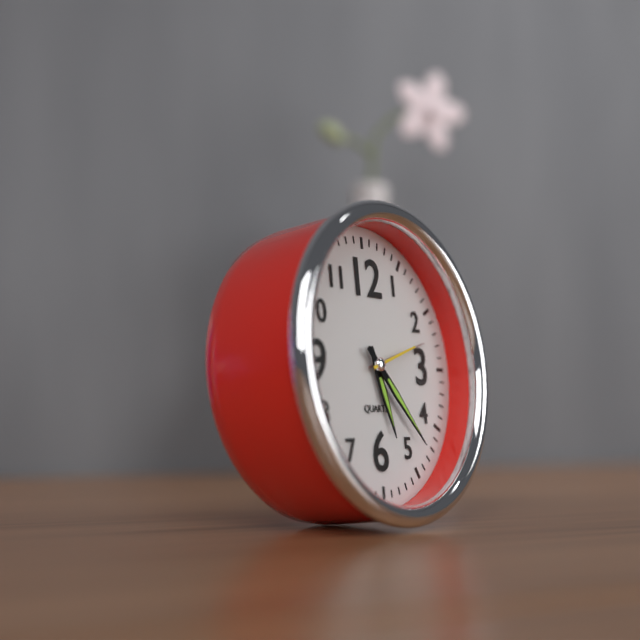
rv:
5.23.12
